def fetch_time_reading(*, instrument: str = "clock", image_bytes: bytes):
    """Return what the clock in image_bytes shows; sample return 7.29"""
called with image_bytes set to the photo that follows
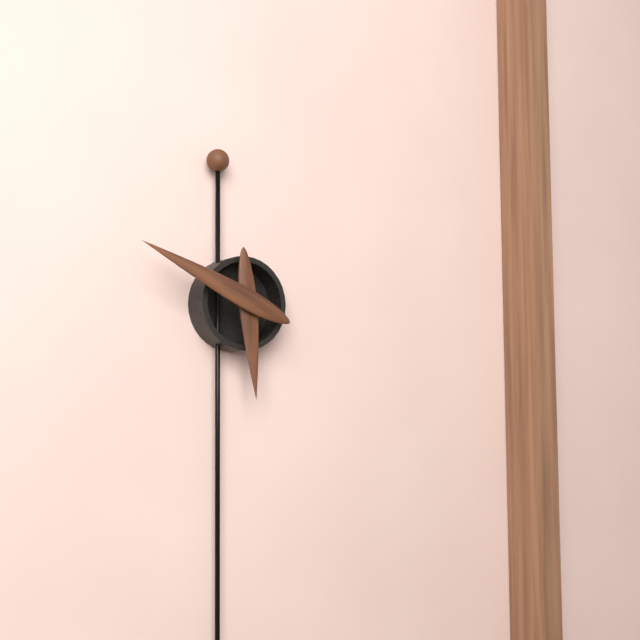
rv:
5.49
